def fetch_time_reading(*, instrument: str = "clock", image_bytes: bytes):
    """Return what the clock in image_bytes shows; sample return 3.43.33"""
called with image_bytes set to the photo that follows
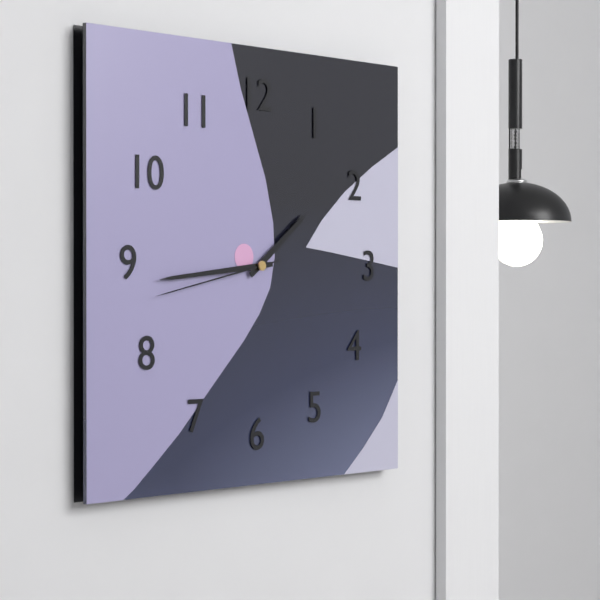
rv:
1.44.43
